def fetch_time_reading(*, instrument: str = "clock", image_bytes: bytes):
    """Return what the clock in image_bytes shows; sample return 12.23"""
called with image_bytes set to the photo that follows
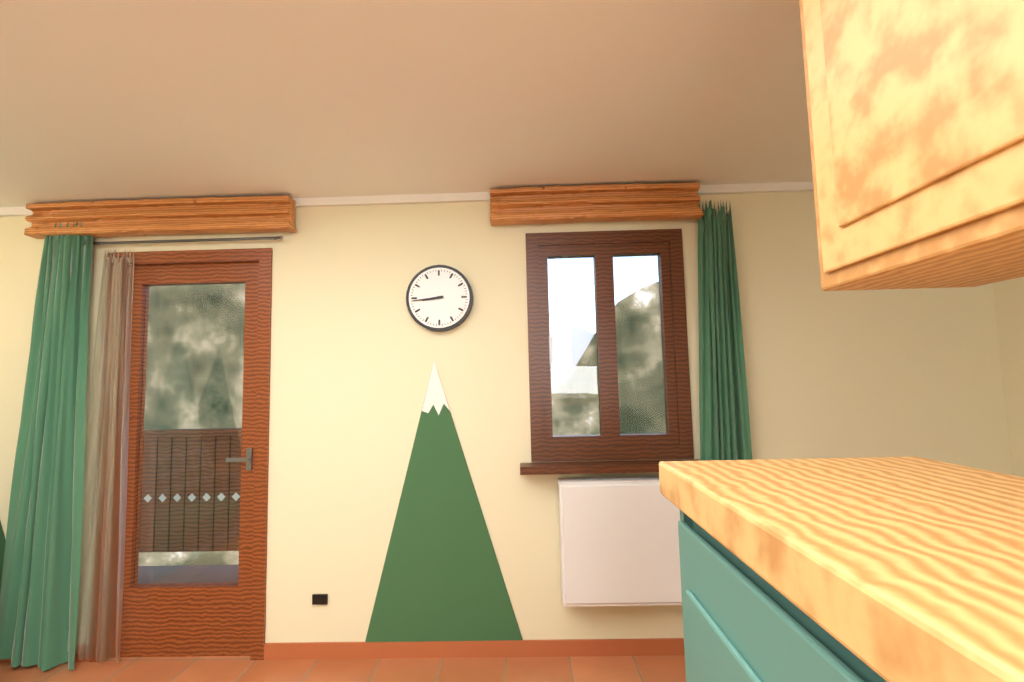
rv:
8.44
